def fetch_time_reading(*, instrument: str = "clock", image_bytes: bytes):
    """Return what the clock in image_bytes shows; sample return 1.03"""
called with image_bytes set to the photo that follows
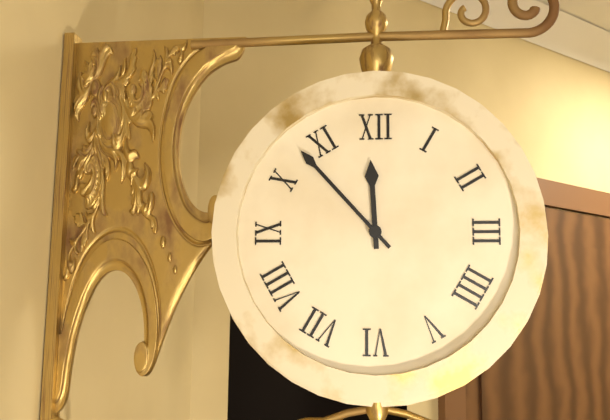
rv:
11.53
